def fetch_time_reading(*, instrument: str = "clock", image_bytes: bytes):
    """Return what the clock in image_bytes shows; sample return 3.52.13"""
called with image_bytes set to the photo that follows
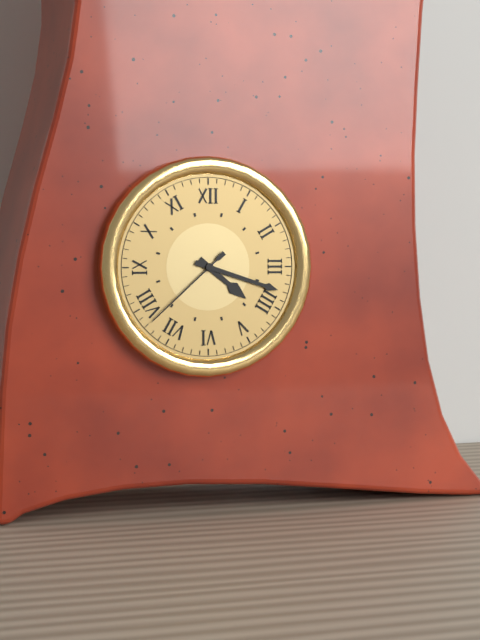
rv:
4.18.38
